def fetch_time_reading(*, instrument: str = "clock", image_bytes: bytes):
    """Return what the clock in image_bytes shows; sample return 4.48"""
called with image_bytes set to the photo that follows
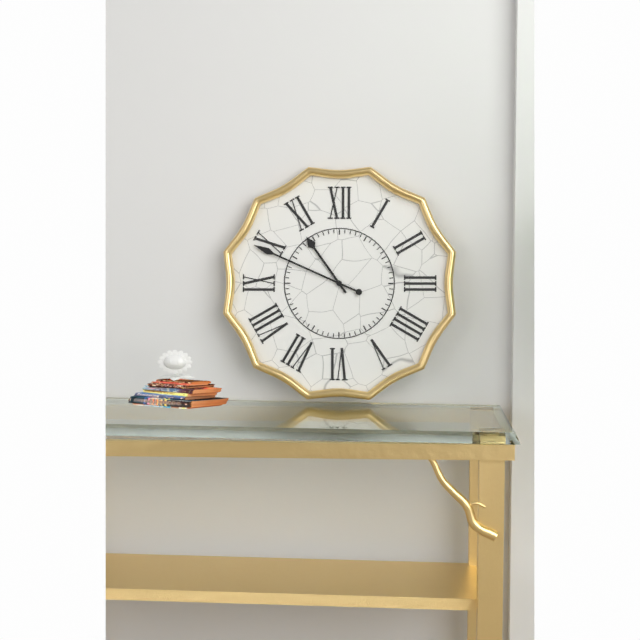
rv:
10.49
